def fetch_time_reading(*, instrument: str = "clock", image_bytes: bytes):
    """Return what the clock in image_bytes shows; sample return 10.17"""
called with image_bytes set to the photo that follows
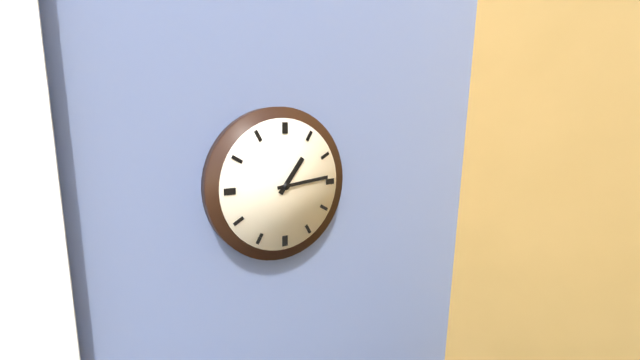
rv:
1.14
